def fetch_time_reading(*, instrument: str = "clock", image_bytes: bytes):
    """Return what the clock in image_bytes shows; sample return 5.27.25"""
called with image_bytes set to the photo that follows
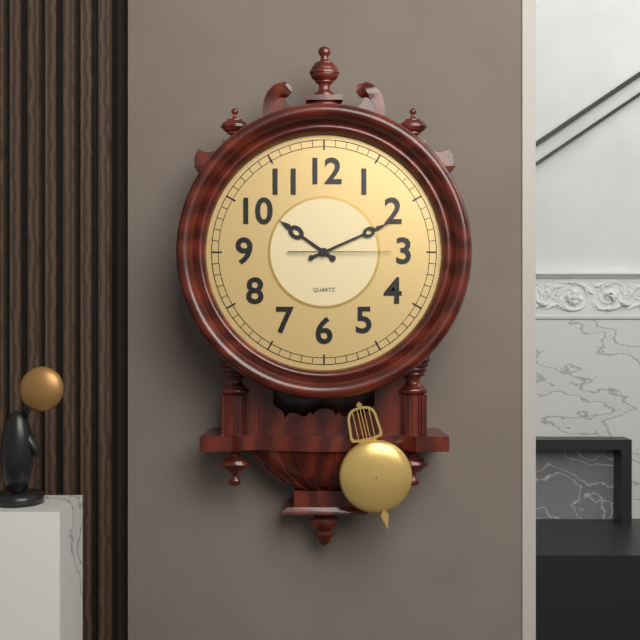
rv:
10.11.15
